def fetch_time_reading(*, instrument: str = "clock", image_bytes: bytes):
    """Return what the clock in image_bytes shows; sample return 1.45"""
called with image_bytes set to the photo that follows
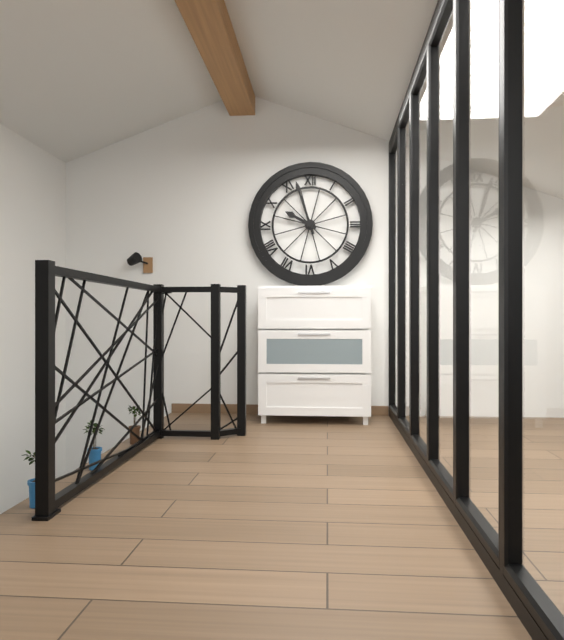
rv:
9.57
